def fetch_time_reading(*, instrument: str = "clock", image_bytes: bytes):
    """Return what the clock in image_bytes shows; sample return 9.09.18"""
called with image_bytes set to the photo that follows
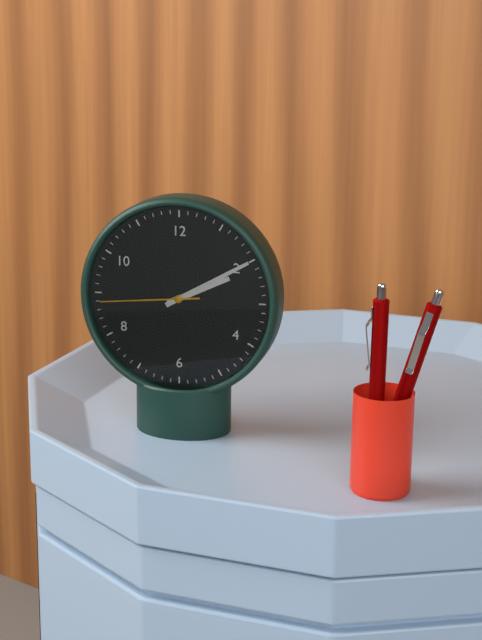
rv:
2.10.44
